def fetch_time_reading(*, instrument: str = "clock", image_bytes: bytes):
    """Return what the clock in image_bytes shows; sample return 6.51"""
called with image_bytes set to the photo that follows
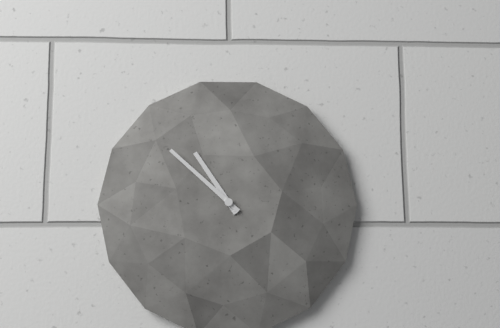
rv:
10.52
